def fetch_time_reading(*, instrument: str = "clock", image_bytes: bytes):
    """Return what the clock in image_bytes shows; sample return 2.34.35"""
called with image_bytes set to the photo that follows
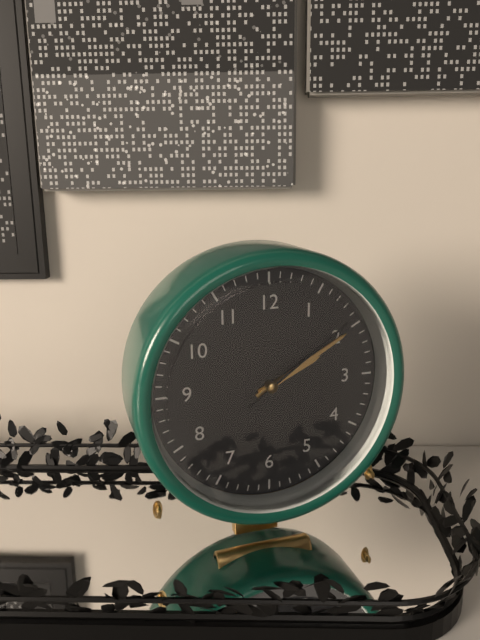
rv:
2.10.09
